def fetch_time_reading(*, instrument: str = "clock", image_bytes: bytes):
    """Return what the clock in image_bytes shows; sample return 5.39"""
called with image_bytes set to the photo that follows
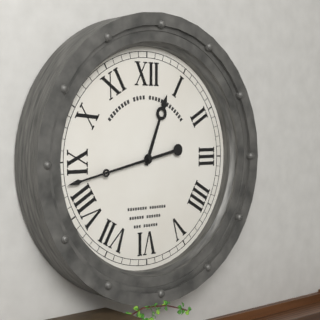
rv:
12.43
